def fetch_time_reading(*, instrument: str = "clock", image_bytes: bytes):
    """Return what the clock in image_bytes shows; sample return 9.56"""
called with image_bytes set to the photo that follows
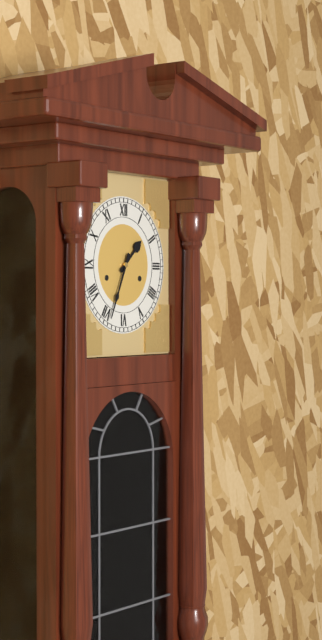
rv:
1.34
